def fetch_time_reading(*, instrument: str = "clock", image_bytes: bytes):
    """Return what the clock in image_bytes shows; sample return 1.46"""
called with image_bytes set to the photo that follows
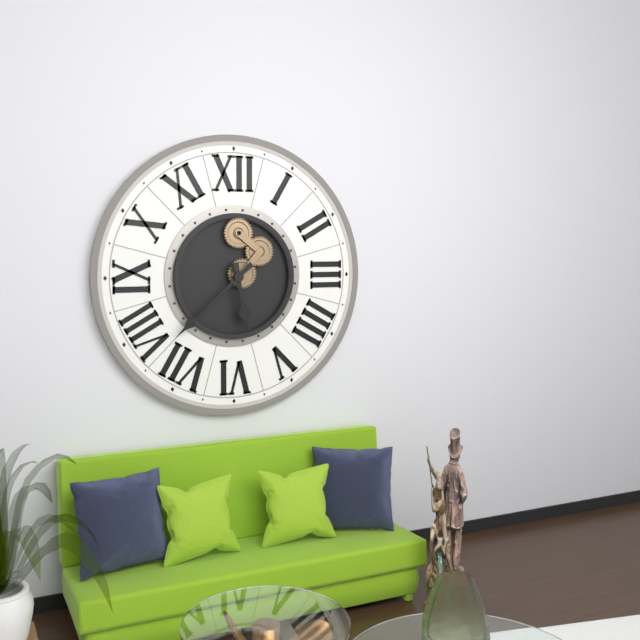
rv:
5.38
